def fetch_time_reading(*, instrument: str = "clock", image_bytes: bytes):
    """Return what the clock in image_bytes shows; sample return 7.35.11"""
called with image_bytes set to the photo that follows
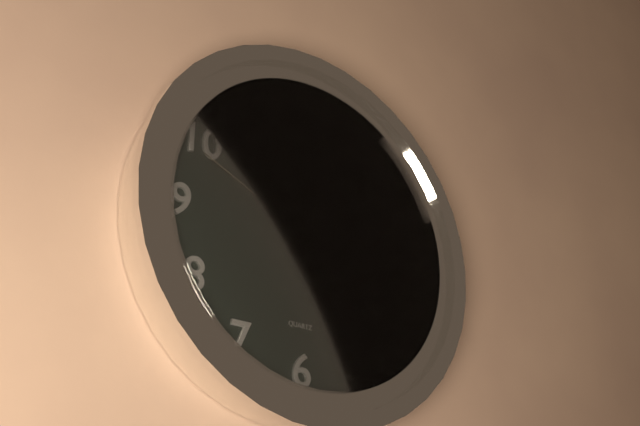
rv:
1.06.49
